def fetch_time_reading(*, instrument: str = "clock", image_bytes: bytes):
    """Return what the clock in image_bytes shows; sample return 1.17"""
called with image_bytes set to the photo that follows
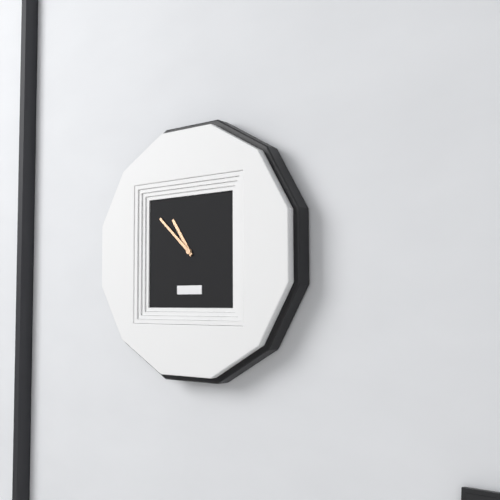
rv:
10.52
